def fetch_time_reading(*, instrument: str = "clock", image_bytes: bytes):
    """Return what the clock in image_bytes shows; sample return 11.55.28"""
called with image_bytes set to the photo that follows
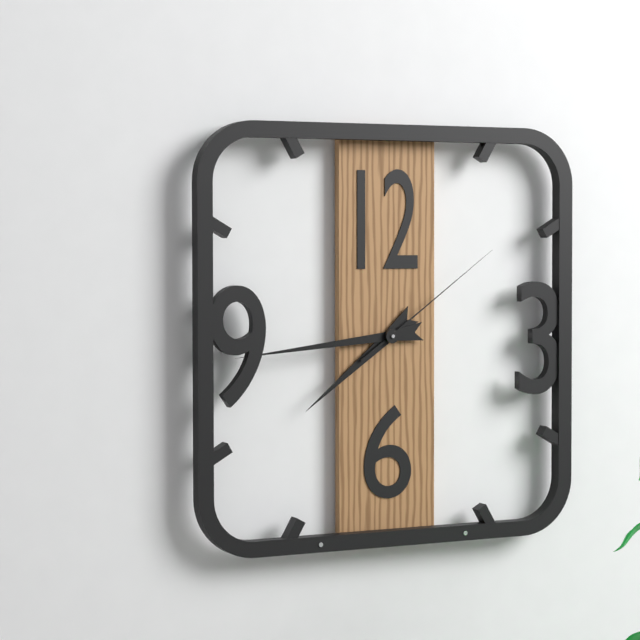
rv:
7.44.09
